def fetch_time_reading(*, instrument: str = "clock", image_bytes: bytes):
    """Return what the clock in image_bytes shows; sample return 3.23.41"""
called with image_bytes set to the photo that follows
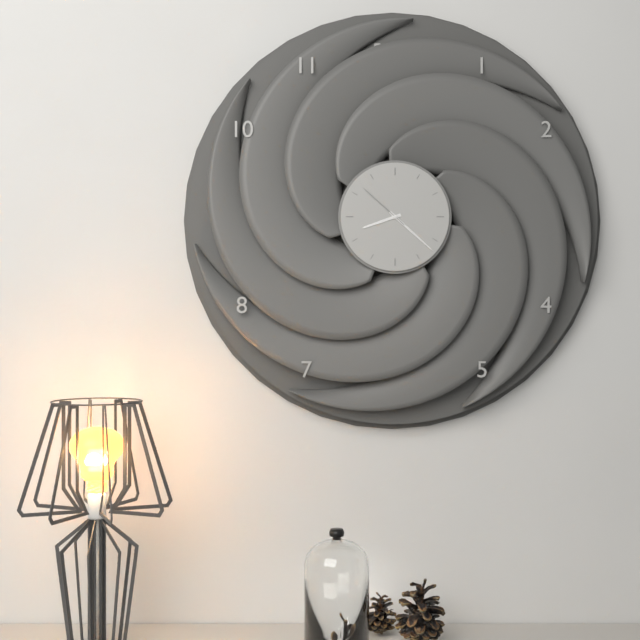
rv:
8.22.52
